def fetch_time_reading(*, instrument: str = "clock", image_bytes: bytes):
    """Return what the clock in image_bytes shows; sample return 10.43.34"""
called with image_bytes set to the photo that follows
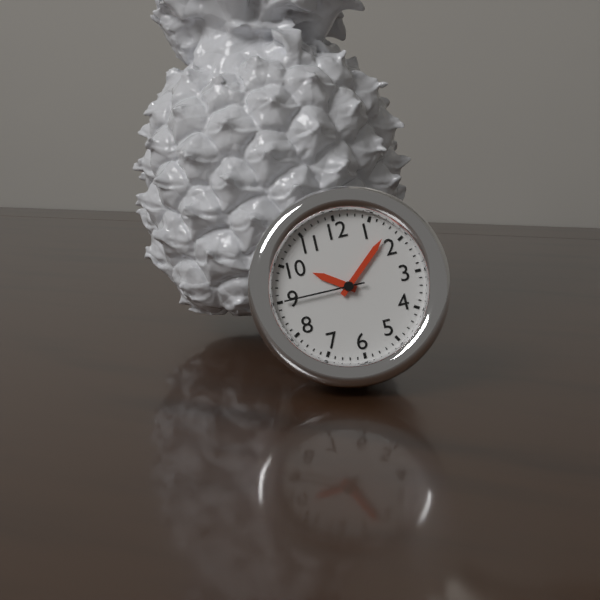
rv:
10.08.45
